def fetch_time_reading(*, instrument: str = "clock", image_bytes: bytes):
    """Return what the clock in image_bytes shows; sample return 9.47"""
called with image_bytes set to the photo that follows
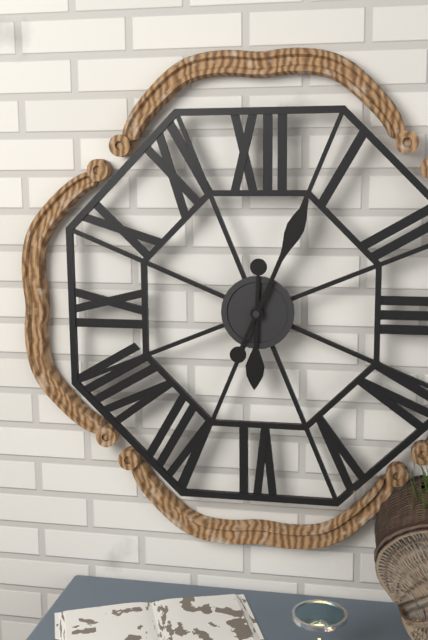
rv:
6.04
